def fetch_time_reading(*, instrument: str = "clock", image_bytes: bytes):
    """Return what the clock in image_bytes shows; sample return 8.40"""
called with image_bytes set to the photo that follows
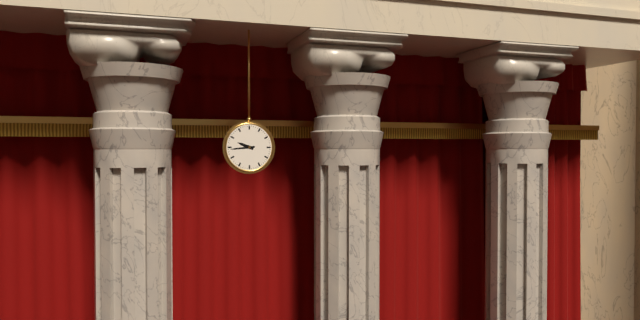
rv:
9.44
